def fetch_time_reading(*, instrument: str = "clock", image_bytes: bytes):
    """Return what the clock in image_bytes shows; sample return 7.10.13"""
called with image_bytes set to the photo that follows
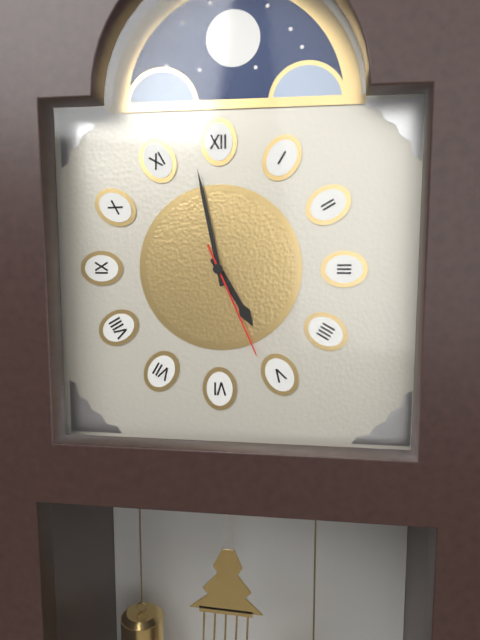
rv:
4.58.26
